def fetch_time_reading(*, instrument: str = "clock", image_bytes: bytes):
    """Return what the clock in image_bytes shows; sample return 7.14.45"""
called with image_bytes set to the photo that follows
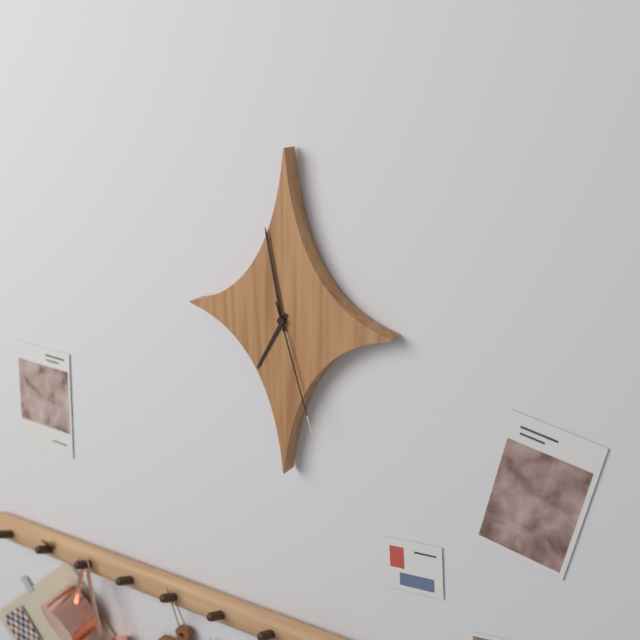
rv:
6.58.27
